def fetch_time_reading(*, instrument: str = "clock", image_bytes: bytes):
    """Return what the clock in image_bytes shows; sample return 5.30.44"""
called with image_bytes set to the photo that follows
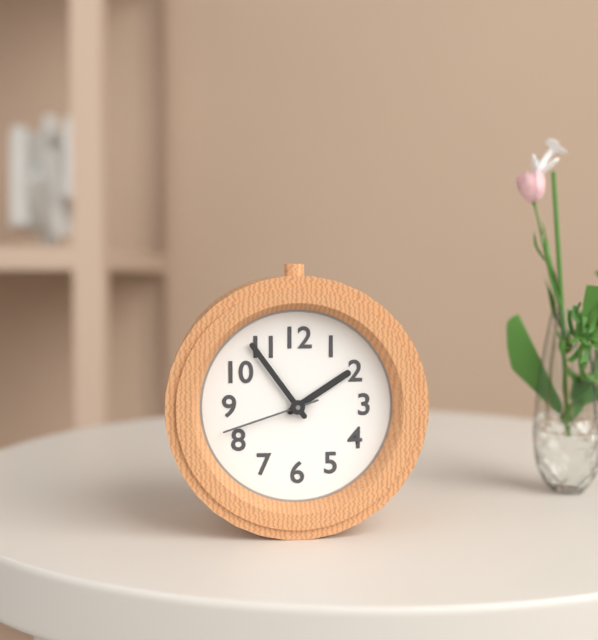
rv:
1.54.42
